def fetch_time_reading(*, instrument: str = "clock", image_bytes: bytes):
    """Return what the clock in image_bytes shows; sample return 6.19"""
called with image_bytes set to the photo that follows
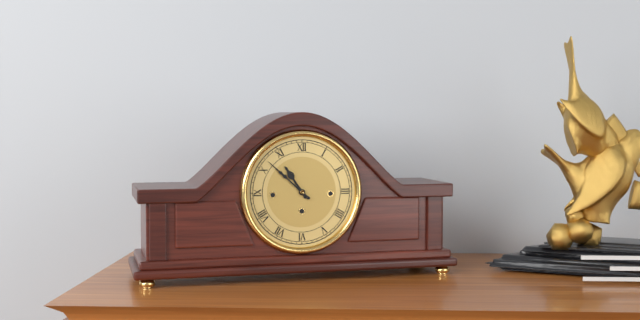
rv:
10.52
